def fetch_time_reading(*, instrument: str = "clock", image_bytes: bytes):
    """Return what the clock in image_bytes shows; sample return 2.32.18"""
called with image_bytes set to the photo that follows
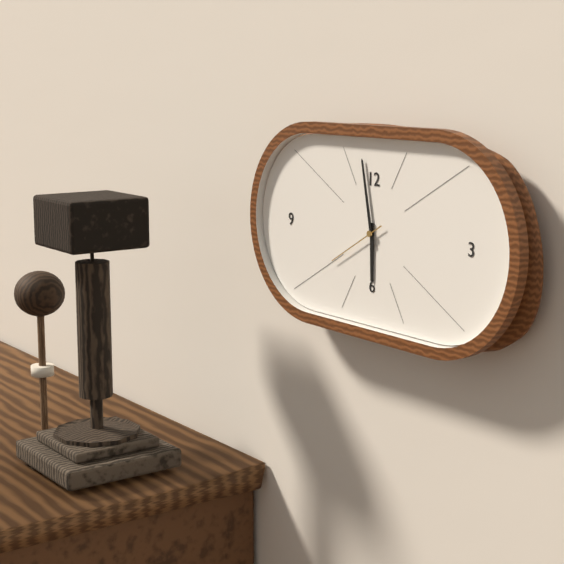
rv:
5.58.40
